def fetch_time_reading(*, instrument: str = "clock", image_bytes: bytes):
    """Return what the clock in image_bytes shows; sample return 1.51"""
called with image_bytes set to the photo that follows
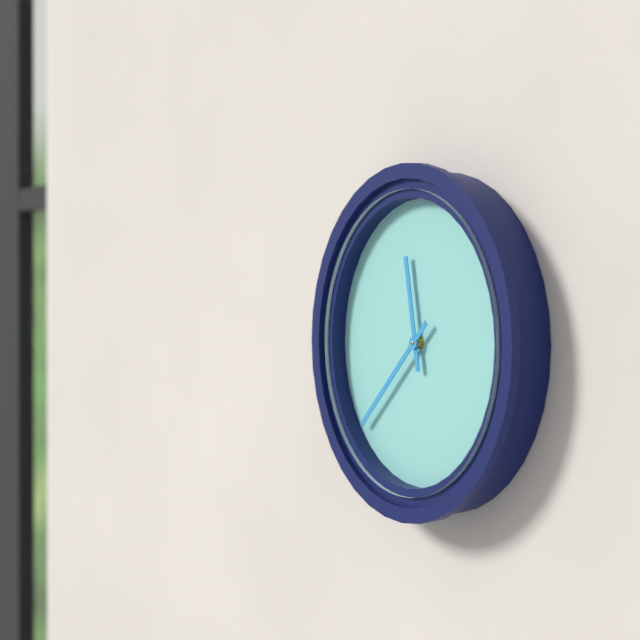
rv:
11.38
